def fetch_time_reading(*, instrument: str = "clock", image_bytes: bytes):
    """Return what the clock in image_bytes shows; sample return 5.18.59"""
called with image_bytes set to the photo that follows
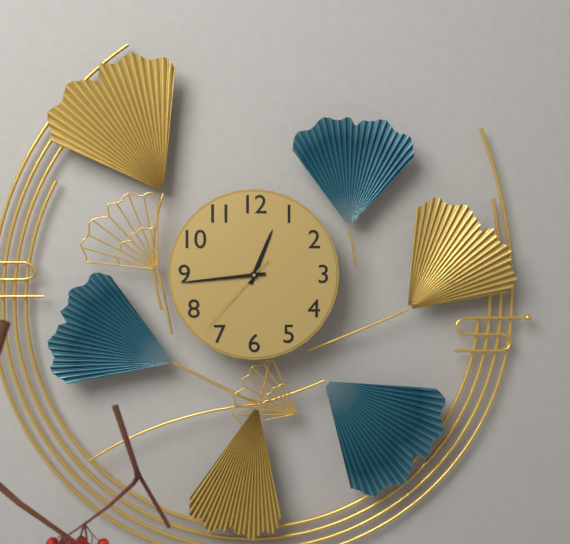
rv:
12.44.37
